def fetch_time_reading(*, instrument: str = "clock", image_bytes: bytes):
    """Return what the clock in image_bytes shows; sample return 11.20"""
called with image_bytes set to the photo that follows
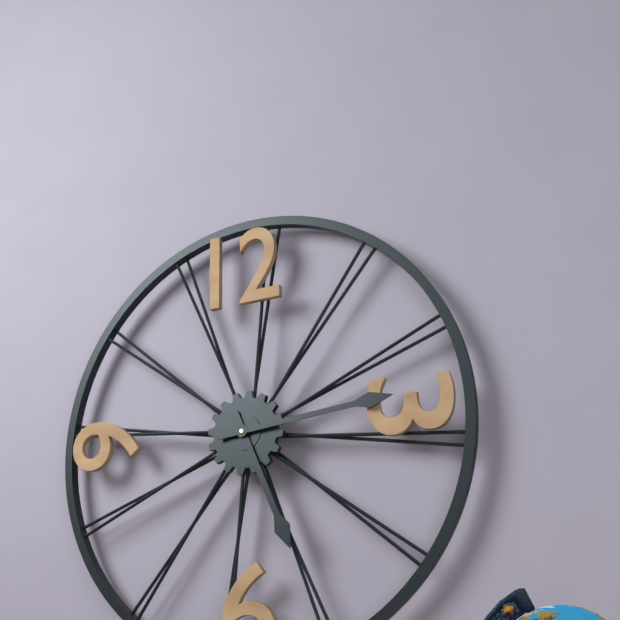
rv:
5.14
